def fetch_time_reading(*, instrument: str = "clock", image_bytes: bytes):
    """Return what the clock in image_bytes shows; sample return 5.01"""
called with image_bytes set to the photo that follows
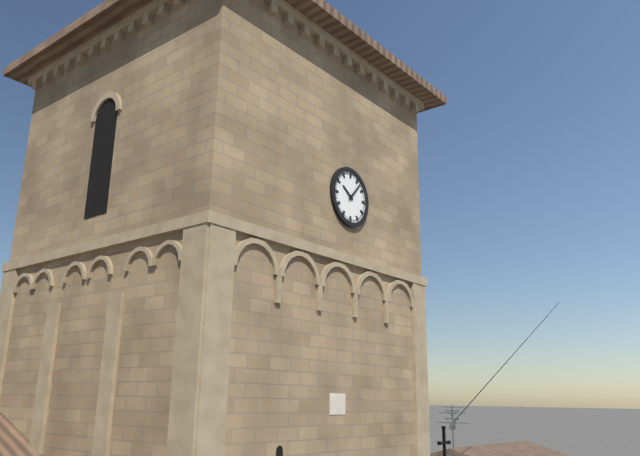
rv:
10.07
